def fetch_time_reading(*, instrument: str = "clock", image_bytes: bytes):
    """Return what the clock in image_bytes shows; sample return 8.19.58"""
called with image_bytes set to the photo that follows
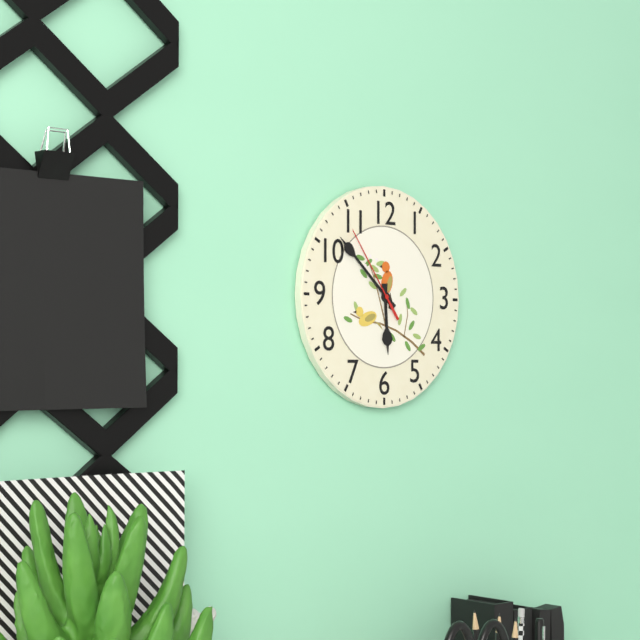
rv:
5.52.54
